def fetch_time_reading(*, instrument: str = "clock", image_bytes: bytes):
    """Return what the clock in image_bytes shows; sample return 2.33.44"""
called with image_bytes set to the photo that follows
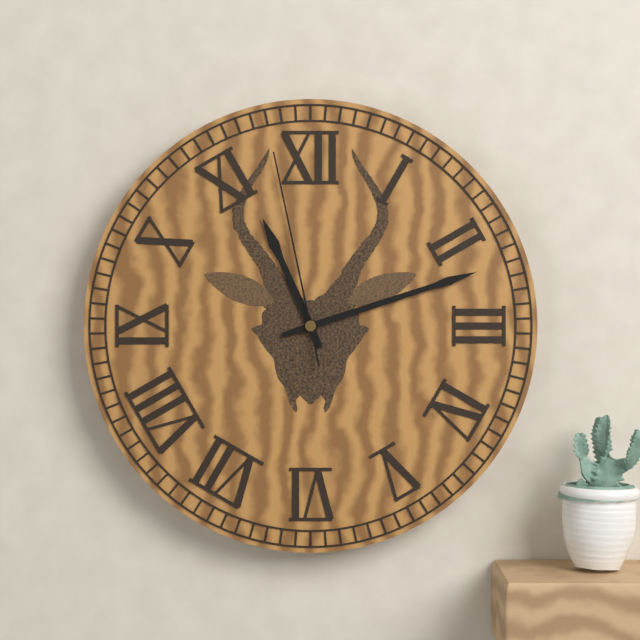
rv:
11.12.58
